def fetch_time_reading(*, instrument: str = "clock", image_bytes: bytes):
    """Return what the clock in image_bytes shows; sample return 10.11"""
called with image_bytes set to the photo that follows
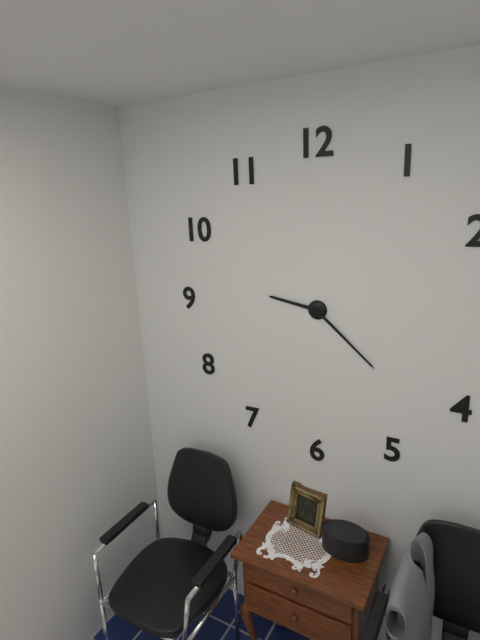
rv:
9.22
